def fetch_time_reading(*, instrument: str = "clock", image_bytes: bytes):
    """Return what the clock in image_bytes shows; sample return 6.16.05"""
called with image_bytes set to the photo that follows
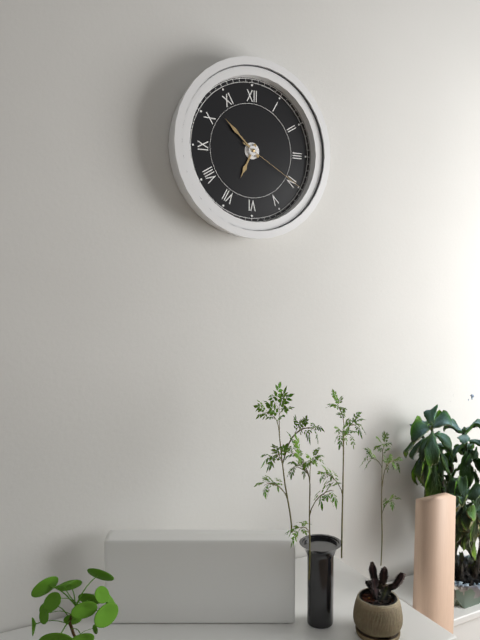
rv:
6.52.20
